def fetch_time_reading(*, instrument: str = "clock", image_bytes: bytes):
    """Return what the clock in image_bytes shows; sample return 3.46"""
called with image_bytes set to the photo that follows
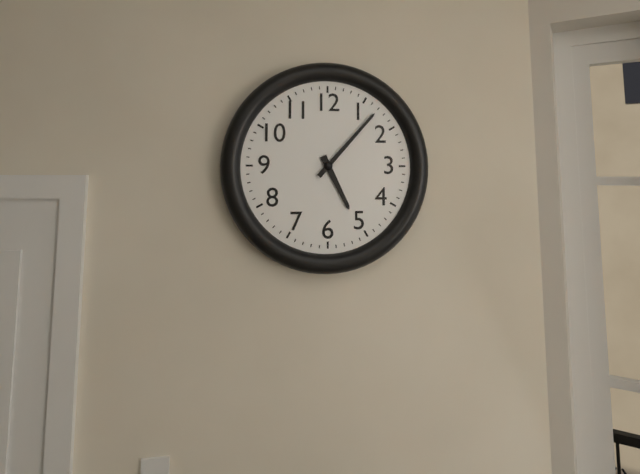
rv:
5.07
